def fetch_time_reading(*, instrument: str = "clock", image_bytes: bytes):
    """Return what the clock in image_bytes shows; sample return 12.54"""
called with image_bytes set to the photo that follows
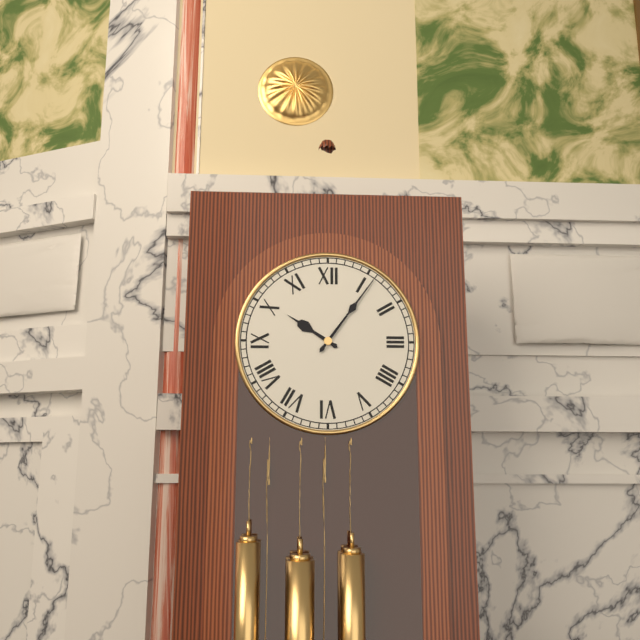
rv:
10.06
